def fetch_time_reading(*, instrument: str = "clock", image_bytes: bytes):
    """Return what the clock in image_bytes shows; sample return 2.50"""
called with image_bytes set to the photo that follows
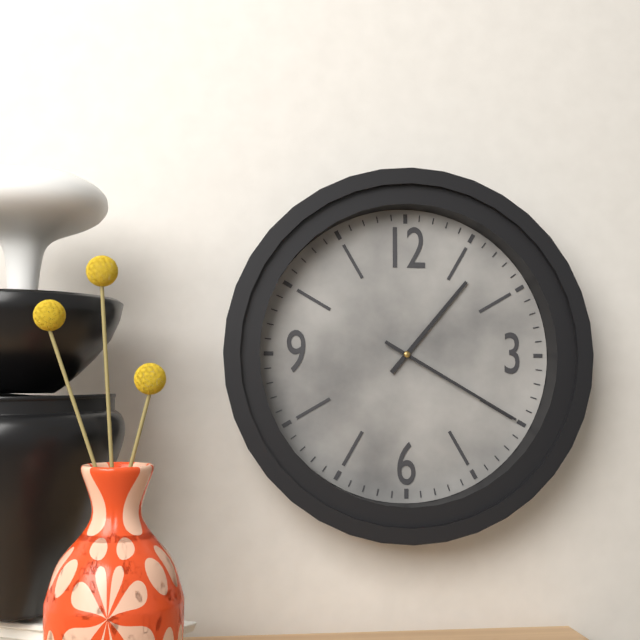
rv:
1.20
